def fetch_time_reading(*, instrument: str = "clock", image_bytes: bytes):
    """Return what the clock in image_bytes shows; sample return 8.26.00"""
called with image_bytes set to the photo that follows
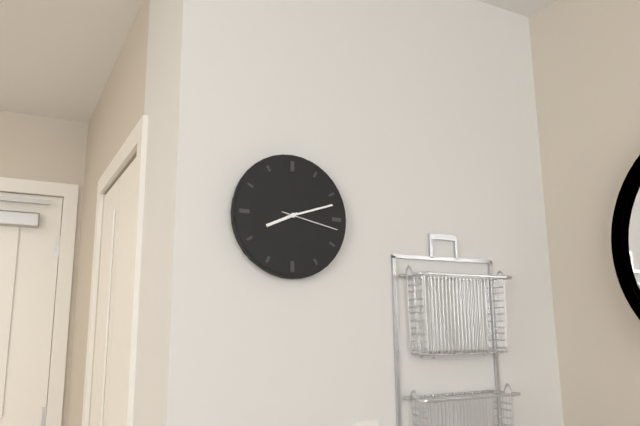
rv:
8.12.17
